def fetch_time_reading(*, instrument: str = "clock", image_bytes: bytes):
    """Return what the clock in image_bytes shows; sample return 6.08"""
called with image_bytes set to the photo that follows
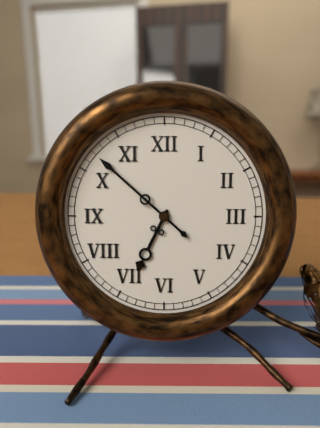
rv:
6.52
